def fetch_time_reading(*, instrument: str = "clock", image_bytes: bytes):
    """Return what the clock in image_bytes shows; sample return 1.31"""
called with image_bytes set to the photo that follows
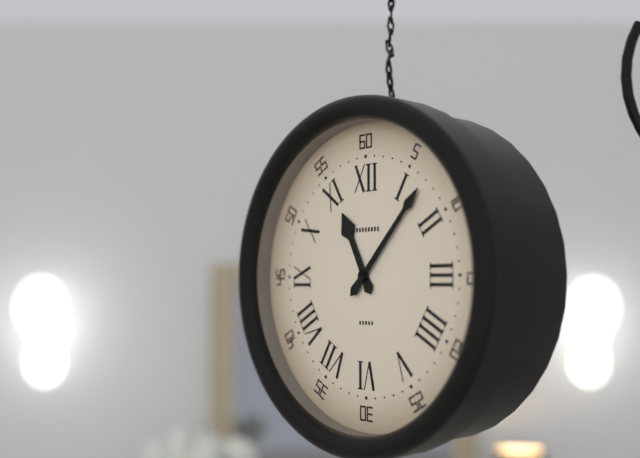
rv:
11.07
